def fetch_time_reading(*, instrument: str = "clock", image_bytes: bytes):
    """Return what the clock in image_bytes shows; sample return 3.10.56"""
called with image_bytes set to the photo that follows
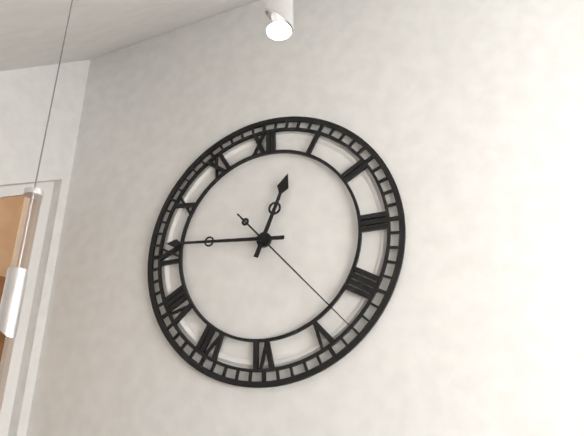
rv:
12.46.23
